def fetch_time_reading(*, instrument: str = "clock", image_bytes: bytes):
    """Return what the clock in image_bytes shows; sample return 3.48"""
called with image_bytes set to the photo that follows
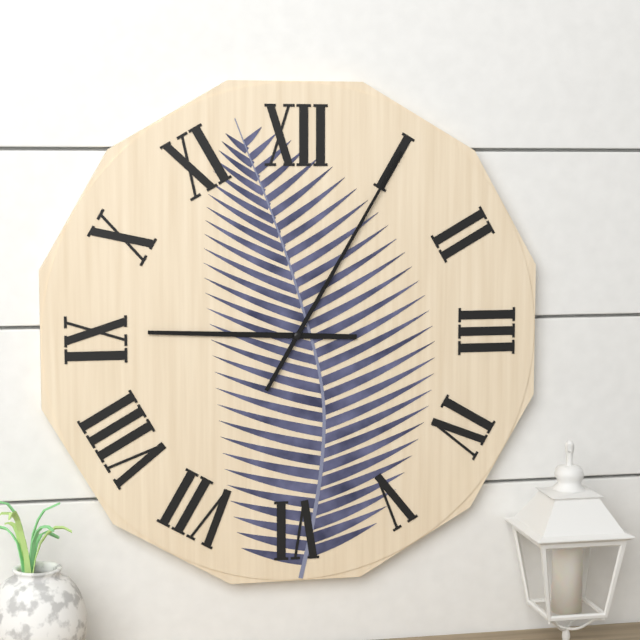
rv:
9.05
